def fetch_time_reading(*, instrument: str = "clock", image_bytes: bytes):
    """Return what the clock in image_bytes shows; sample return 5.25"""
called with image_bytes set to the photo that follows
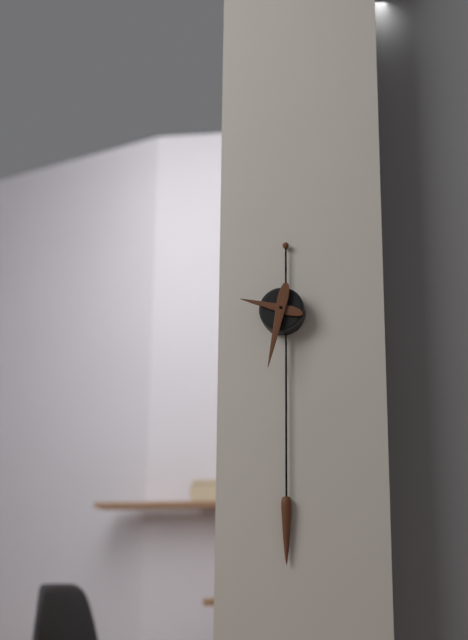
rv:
9.32
